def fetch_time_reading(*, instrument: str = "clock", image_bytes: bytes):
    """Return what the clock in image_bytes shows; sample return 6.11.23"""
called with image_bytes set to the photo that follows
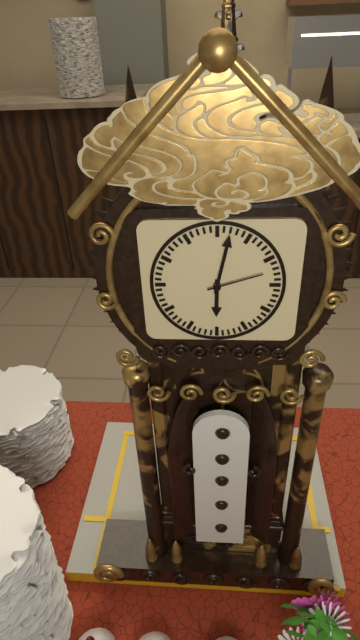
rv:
6.02.12
